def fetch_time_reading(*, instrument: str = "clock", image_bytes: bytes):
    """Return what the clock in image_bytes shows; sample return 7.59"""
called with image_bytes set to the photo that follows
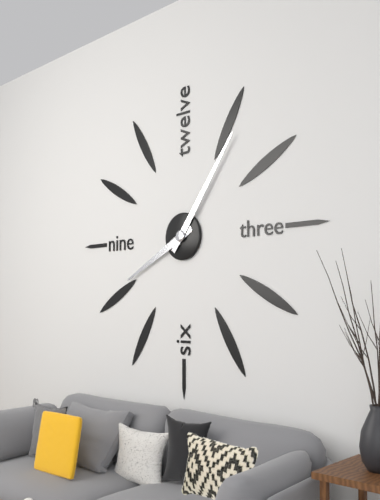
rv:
8.06
